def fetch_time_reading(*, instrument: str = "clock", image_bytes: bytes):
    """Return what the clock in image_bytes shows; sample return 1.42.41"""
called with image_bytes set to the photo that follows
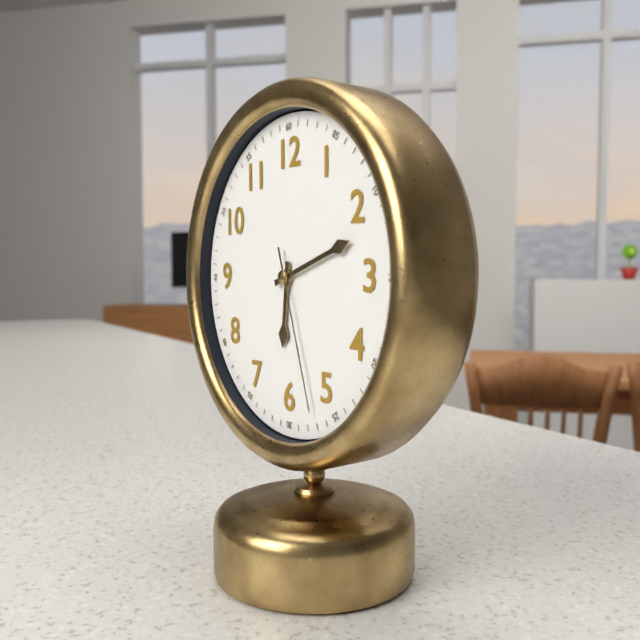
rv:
6.12.27
